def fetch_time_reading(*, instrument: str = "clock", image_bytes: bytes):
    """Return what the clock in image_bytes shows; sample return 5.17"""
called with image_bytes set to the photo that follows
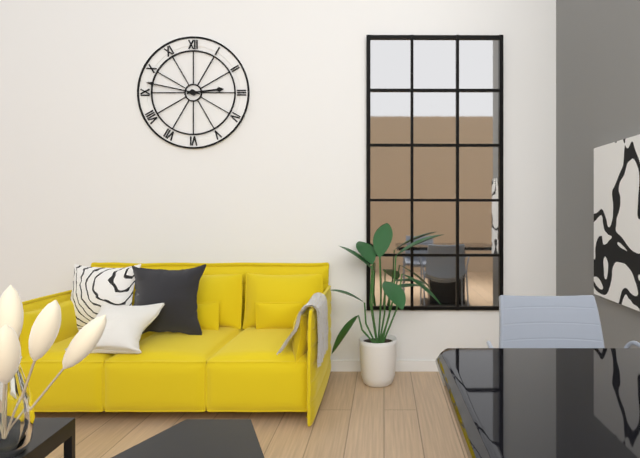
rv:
2.47
